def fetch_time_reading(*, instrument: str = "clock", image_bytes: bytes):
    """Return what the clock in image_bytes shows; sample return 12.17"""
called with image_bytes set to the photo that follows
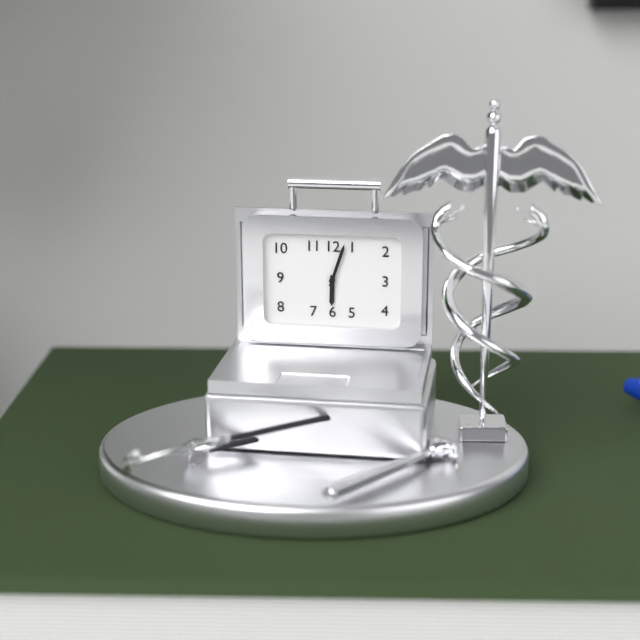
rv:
6.03
